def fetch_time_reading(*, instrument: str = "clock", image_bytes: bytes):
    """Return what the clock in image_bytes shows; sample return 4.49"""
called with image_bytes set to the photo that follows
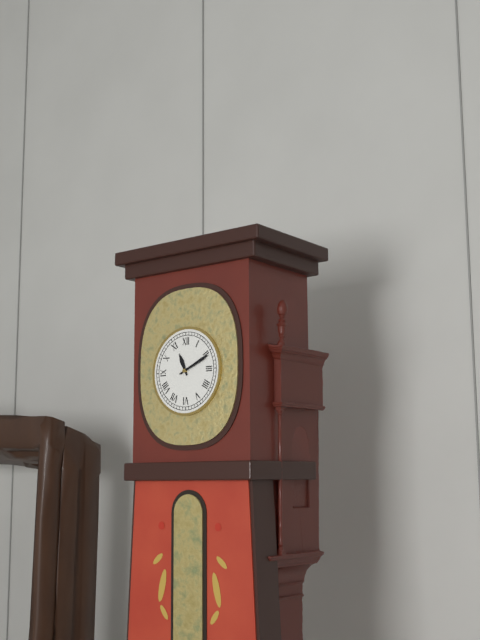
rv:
11.11
